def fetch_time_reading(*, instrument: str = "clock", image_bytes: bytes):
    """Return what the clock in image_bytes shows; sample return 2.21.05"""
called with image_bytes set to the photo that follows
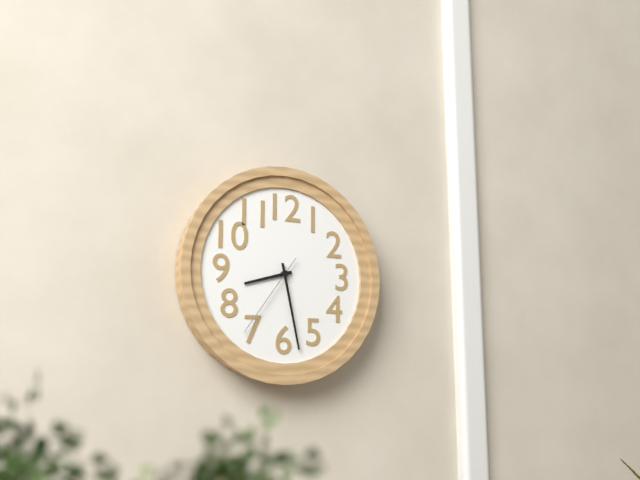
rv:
8.28.36
